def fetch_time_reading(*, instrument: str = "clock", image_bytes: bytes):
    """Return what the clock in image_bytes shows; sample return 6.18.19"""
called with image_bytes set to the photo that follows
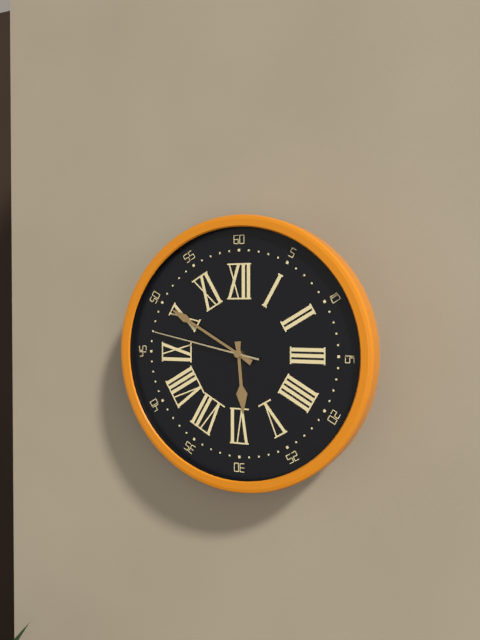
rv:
5.50.47
